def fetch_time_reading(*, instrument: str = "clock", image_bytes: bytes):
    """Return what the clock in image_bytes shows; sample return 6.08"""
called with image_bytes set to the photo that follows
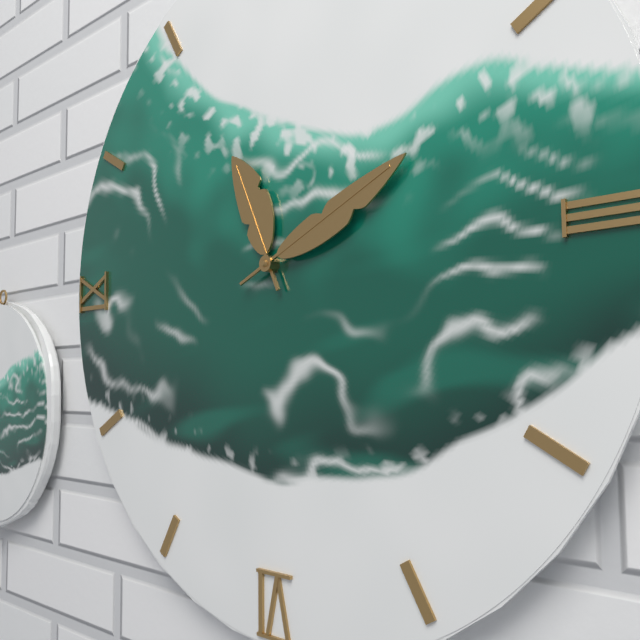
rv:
11.11
